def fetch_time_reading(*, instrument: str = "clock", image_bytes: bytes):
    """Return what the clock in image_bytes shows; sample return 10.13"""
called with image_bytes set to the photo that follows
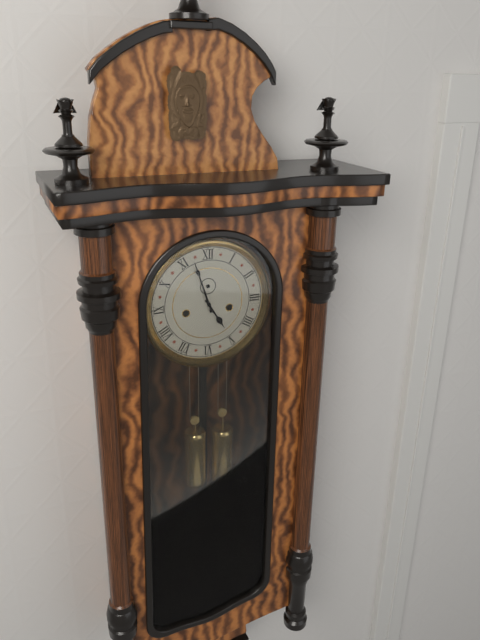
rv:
4.57
